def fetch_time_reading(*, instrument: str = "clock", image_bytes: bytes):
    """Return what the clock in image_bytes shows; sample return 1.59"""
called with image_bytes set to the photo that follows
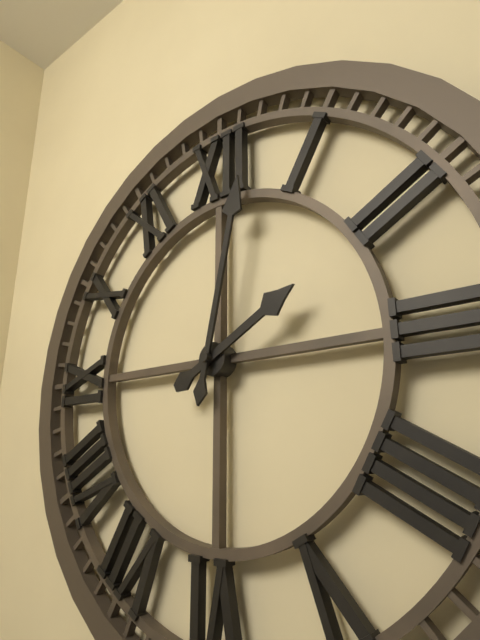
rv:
2.02
